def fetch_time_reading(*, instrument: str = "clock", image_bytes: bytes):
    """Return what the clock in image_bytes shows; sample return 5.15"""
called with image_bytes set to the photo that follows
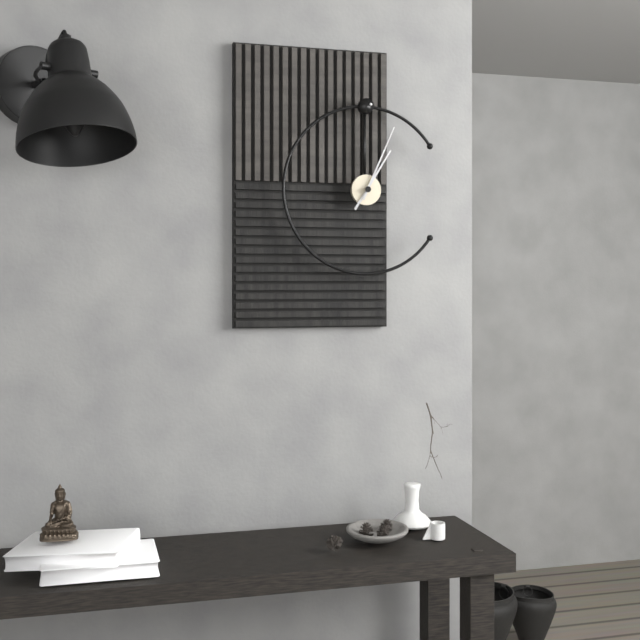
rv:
1.04
